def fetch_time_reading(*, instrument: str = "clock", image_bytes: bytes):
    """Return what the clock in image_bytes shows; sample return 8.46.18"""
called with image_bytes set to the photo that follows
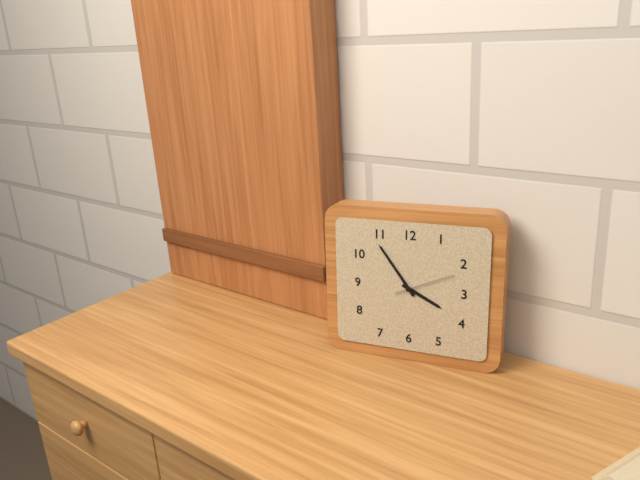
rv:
3.54.11
